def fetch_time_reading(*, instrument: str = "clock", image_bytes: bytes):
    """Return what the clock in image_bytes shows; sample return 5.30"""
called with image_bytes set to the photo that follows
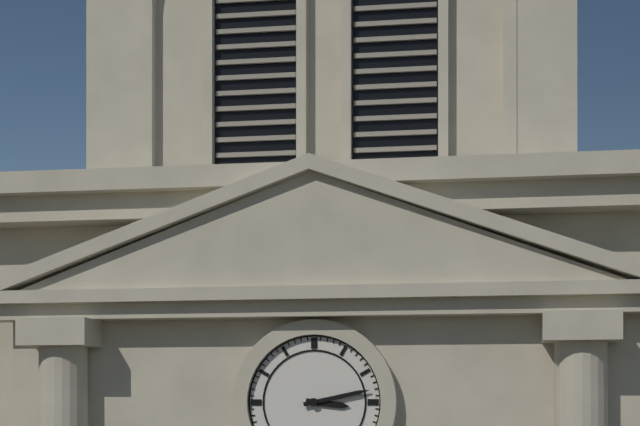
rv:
3.13
